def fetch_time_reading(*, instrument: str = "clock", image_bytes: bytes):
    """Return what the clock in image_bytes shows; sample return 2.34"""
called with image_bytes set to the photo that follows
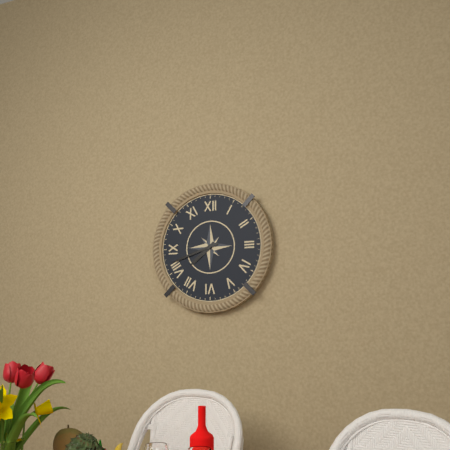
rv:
7.42
